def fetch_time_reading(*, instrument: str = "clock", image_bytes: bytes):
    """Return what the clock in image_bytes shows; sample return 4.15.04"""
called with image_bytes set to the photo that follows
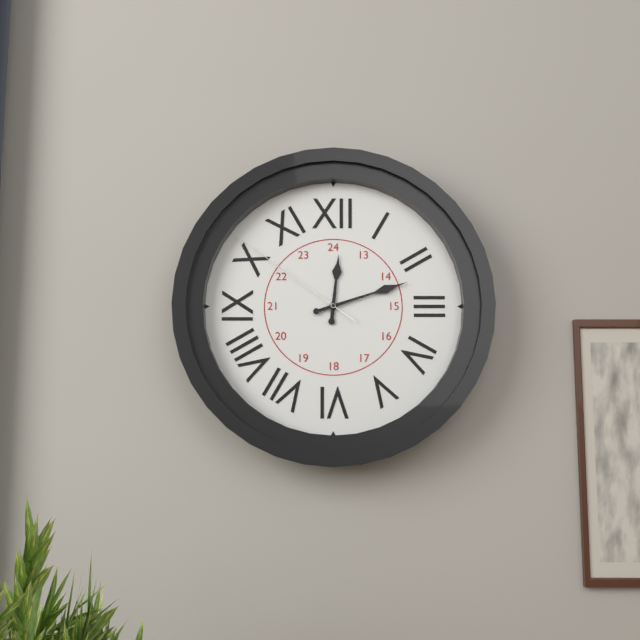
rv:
12.12.51
